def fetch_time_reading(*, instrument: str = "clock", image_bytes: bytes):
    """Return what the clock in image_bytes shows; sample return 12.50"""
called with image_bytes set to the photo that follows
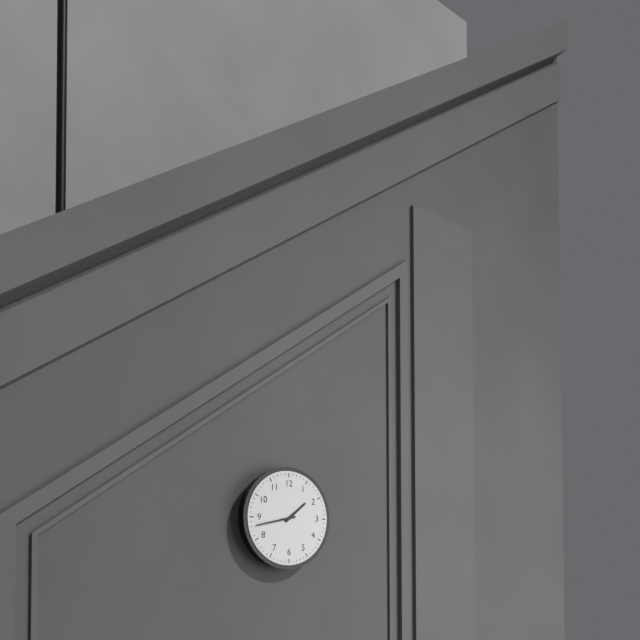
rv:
1.43
